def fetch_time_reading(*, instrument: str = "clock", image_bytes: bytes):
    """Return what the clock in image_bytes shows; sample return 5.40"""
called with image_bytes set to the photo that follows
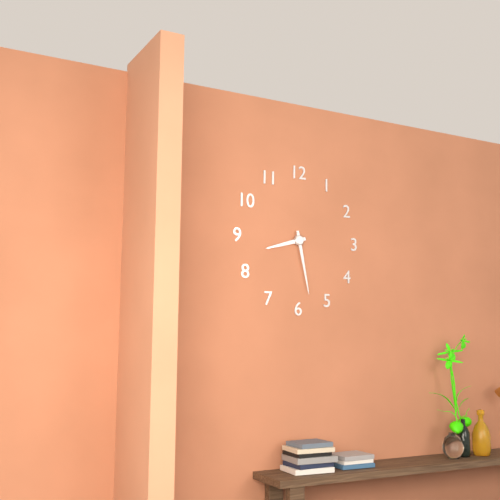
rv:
8.28
